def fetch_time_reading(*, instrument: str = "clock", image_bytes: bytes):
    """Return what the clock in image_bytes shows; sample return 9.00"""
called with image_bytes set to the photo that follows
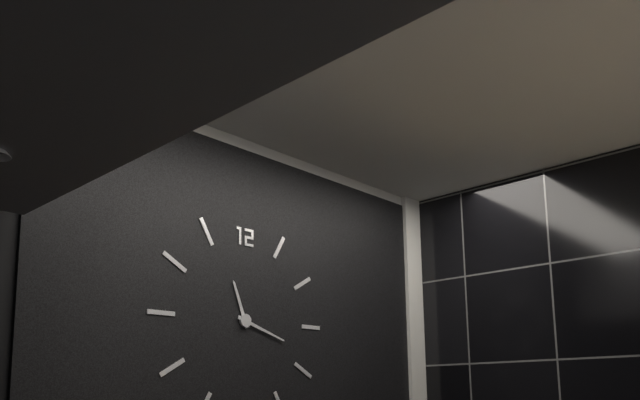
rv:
11.18
